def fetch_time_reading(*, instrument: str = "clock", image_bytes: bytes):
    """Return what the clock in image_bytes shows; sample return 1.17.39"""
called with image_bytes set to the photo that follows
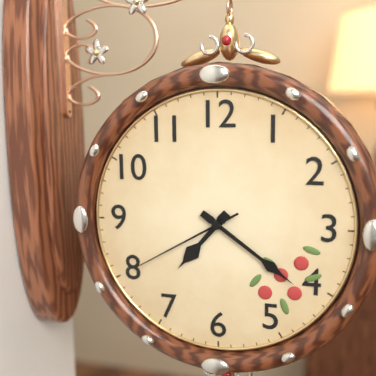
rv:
7.21.40
